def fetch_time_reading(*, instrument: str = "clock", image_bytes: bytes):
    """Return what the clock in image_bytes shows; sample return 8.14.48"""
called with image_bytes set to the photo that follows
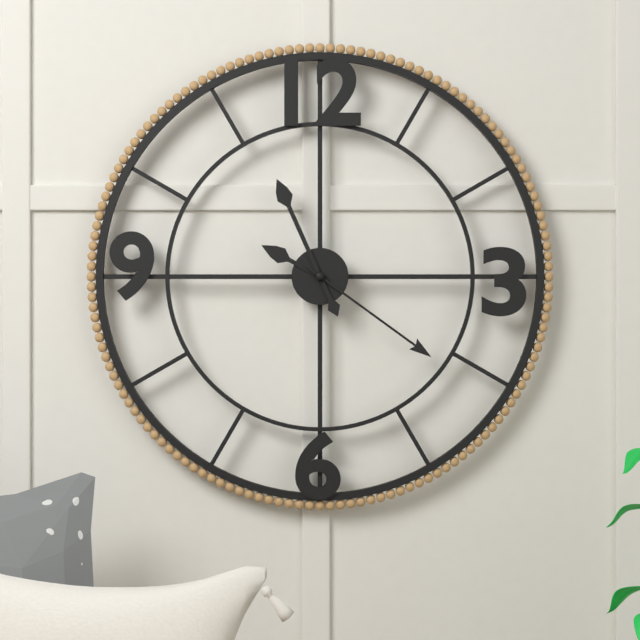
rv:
9.56.21
